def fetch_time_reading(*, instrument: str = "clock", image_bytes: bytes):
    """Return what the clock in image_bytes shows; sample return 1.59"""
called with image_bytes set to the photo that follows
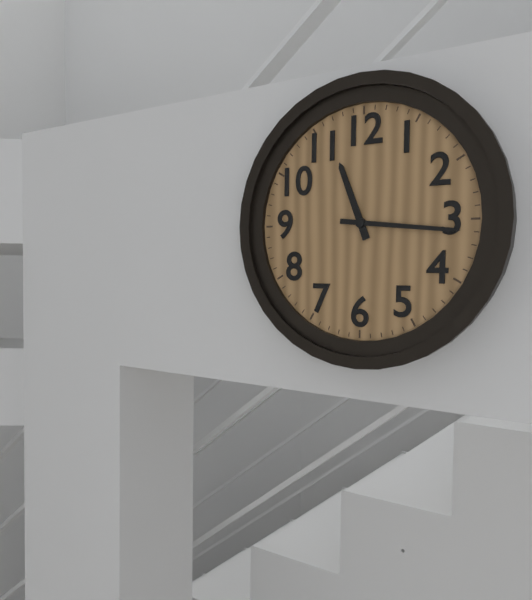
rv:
11.16
